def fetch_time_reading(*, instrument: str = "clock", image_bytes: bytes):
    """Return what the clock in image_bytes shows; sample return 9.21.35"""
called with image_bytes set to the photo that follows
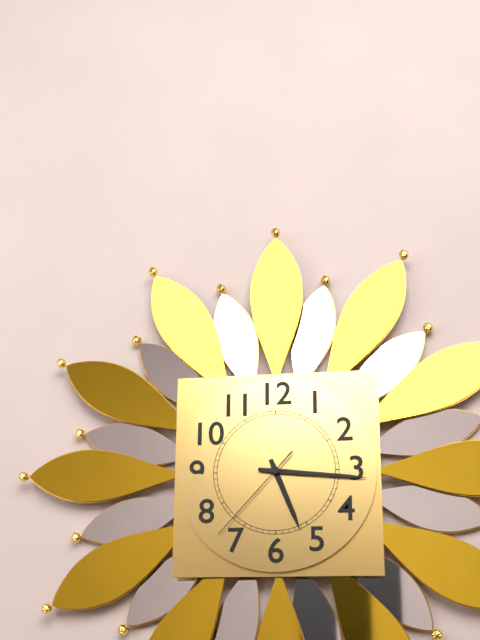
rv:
5.16.37
